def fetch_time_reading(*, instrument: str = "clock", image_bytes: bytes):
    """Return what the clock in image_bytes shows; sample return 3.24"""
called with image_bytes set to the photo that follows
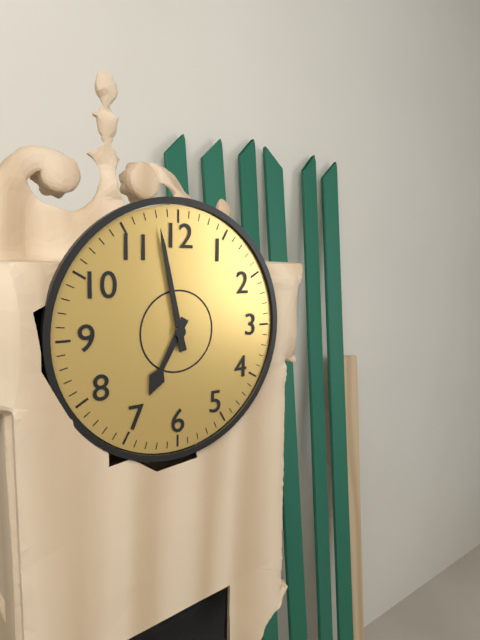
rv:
6.58
